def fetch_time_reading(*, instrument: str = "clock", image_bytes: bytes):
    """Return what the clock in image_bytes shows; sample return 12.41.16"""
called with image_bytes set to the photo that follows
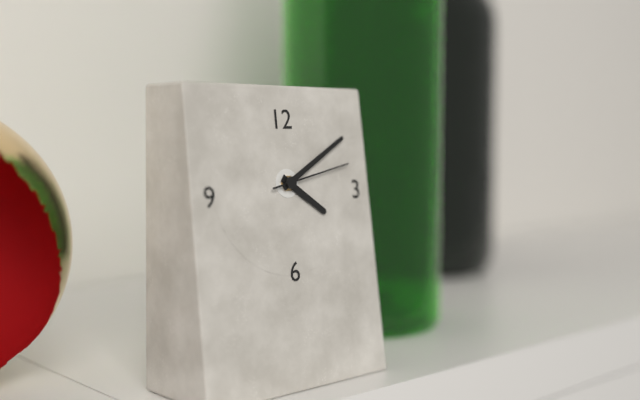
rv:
4.10.13
